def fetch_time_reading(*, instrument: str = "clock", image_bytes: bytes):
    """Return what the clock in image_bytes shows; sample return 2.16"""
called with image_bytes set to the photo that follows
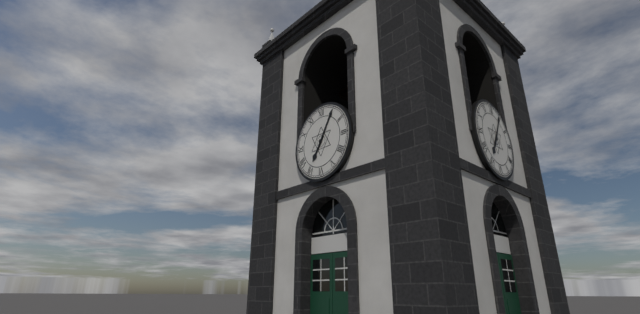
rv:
7.05
